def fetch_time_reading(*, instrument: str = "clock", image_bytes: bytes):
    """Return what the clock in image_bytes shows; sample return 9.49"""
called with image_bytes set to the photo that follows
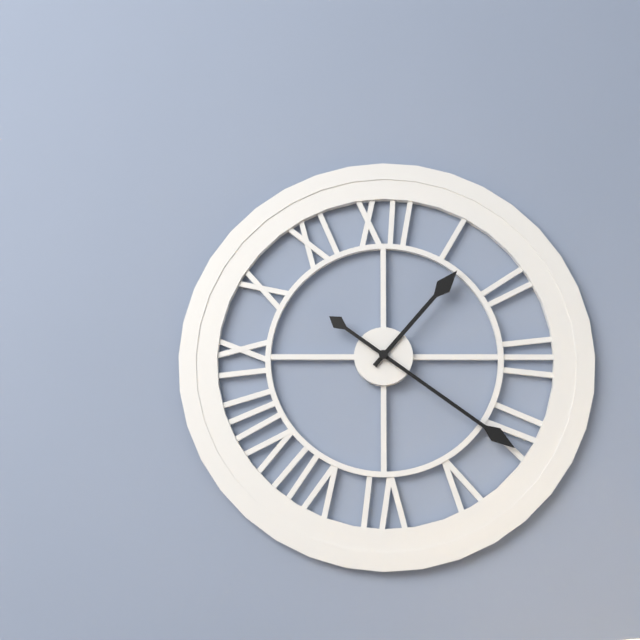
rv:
1.21
